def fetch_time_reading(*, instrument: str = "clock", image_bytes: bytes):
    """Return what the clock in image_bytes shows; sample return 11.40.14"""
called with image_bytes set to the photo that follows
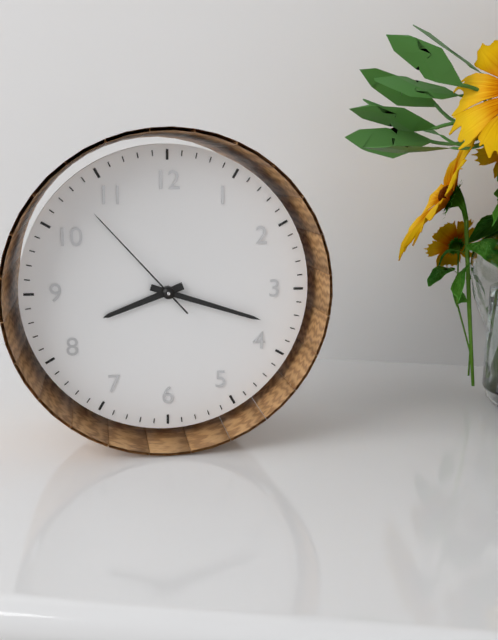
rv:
8.18.53
